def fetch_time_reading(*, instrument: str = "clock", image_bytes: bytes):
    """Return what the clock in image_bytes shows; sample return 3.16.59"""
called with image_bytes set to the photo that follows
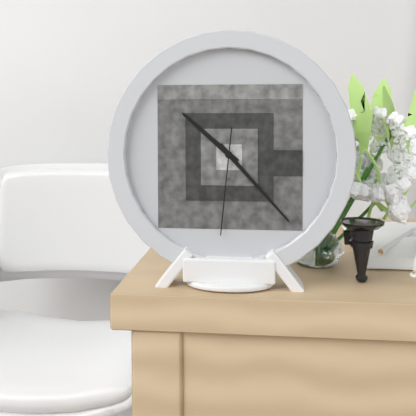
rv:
10.23.31
